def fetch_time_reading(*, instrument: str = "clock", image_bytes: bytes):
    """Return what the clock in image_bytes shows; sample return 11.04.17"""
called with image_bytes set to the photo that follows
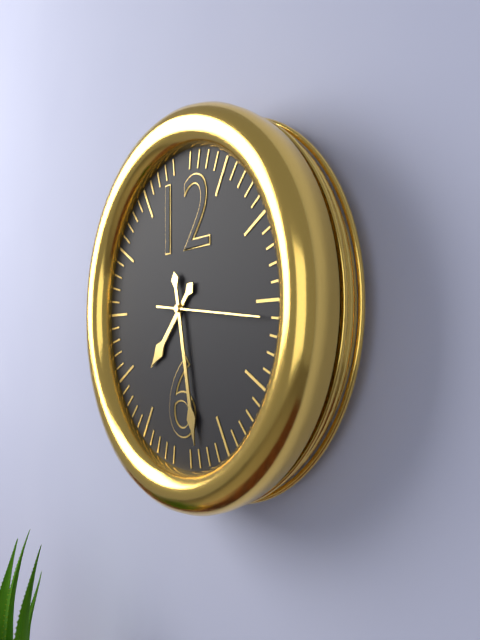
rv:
7.28.16
